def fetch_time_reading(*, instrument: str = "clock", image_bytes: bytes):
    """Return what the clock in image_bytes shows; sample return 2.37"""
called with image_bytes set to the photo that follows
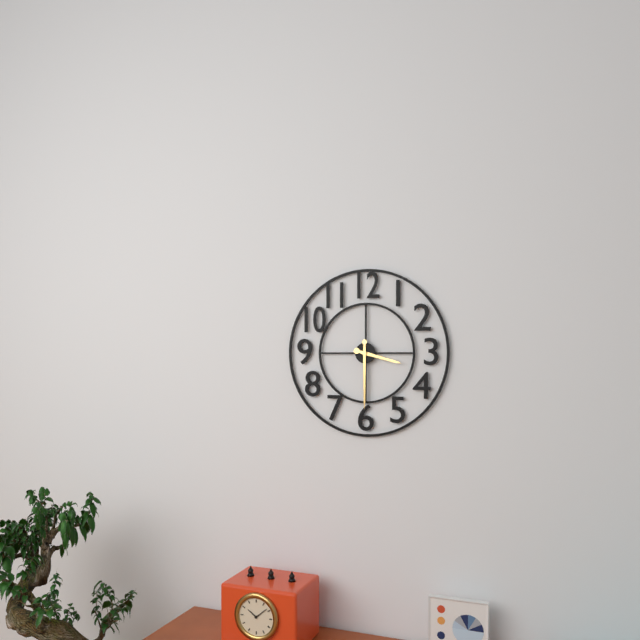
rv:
3.30
